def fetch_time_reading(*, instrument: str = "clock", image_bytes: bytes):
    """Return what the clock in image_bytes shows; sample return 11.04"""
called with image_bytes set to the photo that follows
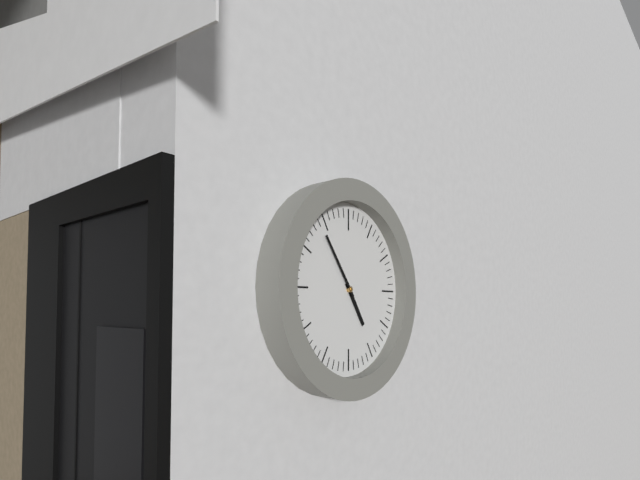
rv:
4.54
